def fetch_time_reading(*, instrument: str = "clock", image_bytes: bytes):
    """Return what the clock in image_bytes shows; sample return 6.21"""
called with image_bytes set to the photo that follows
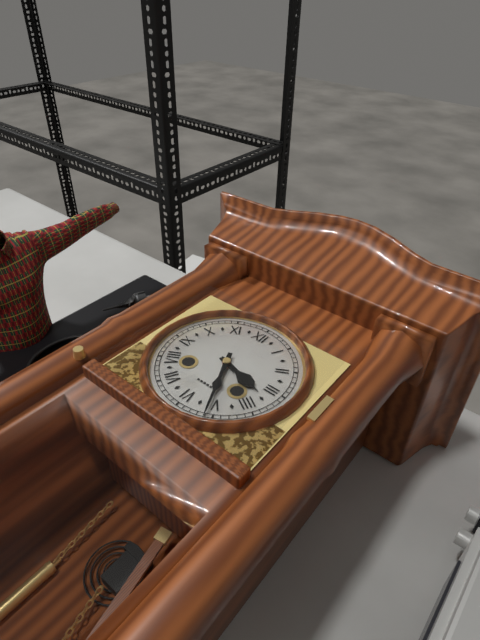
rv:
3.26
